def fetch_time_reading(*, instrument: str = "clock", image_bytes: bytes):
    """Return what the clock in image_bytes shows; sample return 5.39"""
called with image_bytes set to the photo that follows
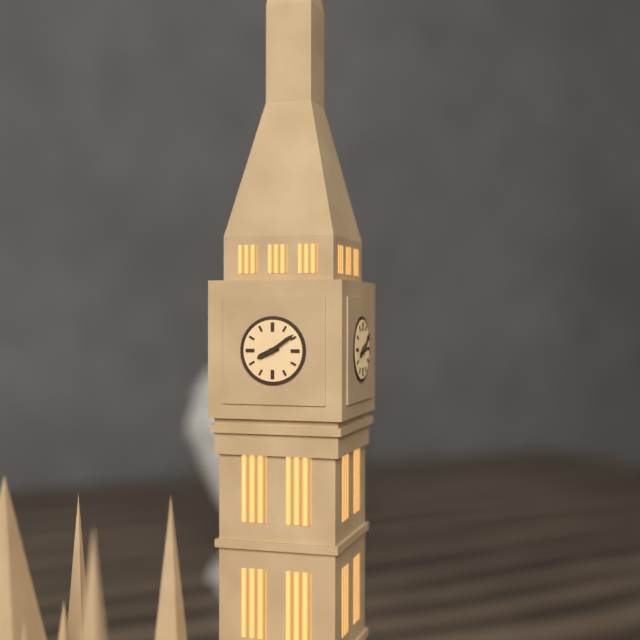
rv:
8.09
